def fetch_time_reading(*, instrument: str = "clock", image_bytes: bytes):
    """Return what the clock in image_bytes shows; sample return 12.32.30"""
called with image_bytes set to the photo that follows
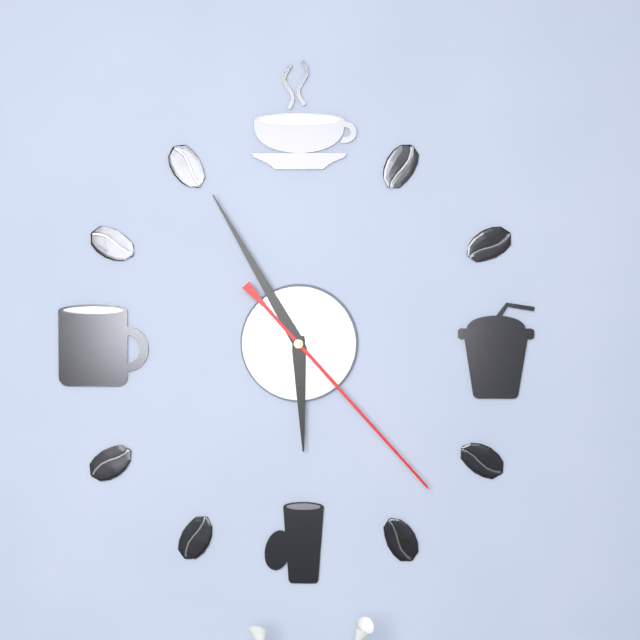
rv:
5.55.23
